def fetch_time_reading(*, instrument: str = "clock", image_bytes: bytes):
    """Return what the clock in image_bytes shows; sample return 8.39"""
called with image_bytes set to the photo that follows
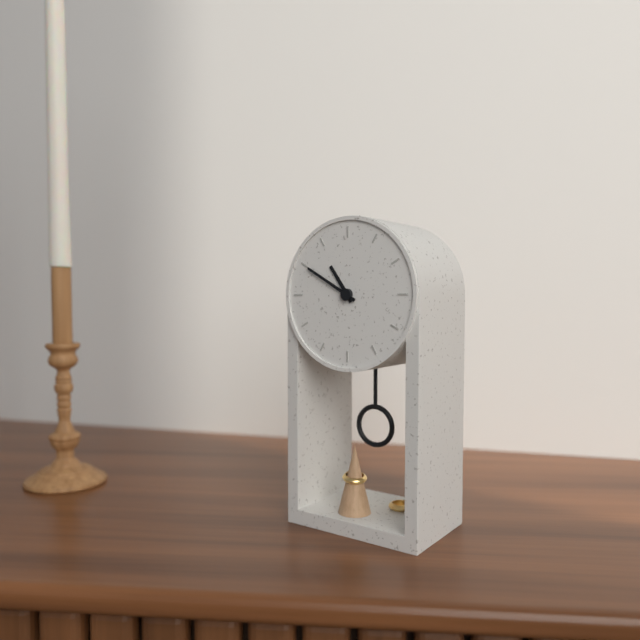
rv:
10.50
